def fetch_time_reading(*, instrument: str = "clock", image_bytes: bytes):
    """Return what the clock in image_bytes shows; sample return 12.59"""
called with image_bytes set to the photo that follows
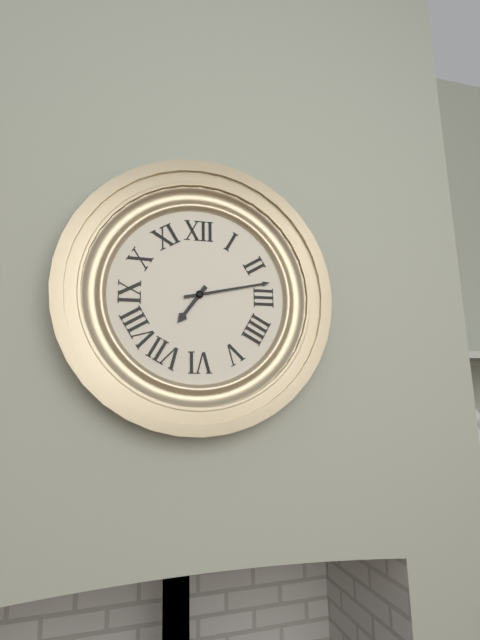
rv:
7.13
